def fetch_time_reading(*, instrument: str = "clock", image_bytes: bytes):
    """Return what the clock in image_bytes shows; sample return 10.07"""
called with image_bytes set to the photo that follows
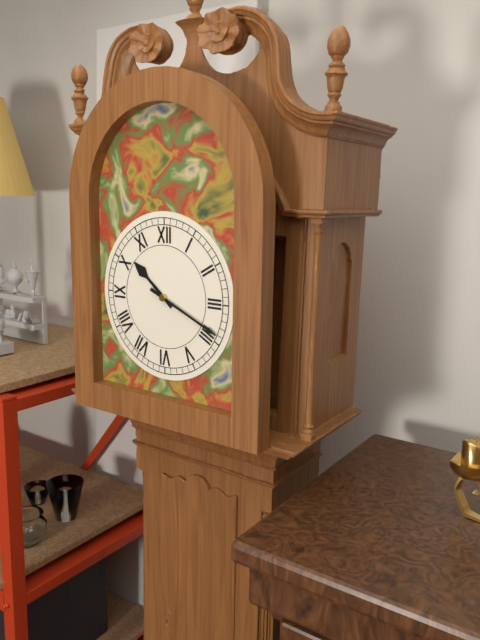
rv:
10.19
